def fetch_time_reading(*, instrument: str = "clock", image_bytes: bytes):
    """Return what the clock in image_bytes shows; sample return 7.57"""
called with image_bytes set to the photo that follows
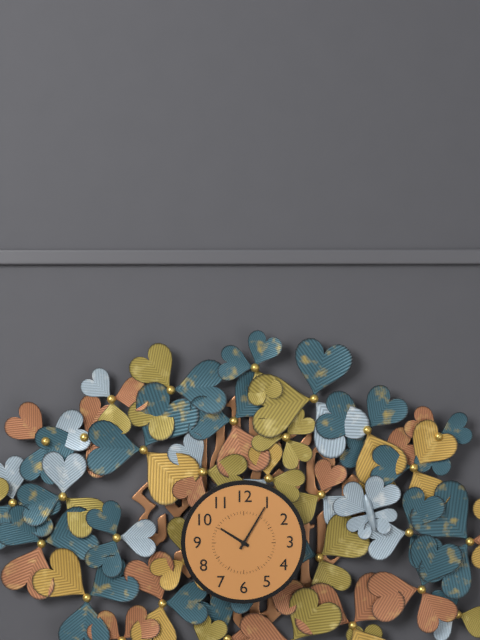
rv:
10.05
